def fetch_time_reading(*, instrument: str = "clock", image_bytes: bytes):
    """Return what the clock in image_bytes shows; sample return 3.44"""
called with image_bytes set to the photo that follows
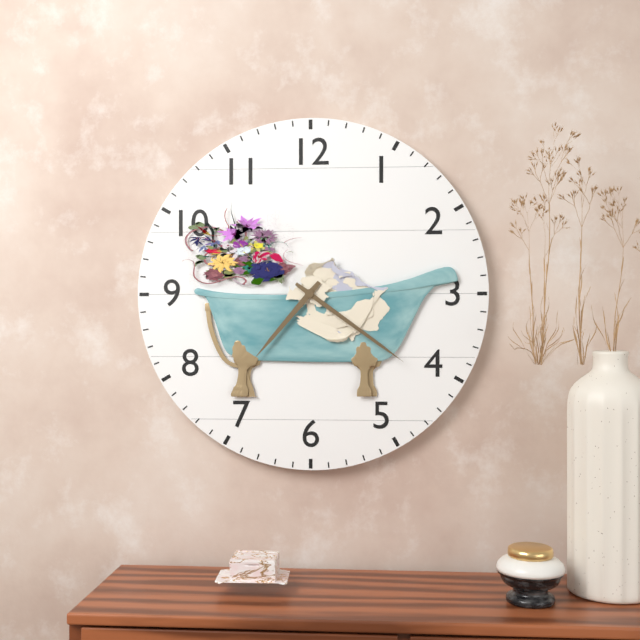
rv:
7.21
